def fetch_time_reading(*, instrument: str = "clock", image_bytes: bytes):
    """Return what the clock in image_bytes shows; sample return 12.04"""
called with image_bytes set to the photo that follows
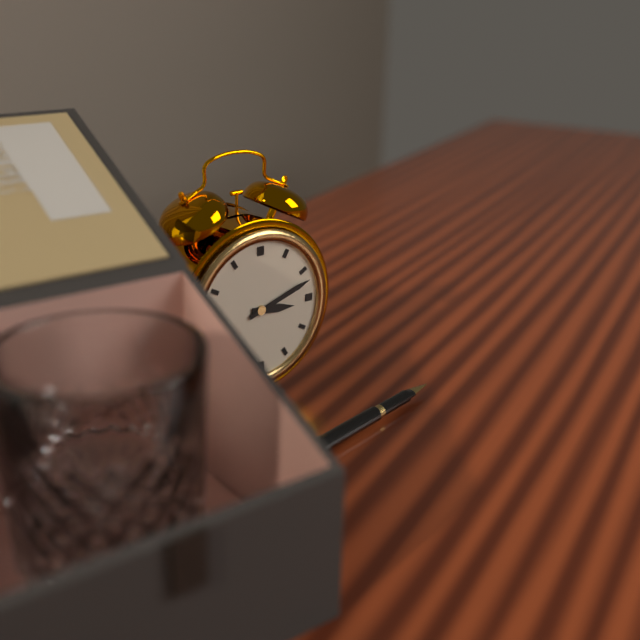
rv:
3.12
